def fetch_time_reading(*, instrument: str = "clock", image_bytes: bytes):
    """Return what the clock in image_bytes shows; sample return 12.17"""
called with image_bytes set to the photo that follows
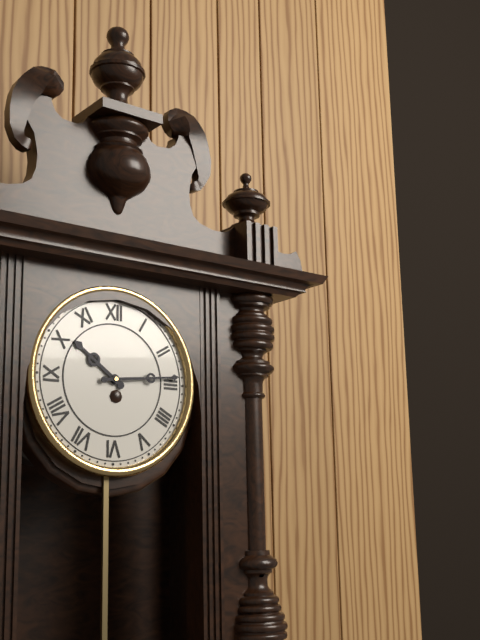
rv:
10.14
